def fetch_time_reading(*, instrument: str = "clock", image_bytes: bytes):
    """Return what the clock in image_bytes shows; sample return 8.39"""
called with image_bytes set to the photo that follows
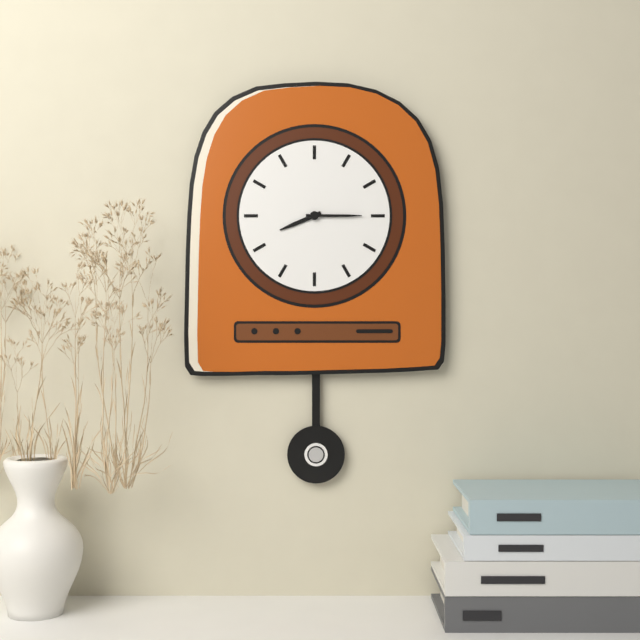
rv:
8.15
